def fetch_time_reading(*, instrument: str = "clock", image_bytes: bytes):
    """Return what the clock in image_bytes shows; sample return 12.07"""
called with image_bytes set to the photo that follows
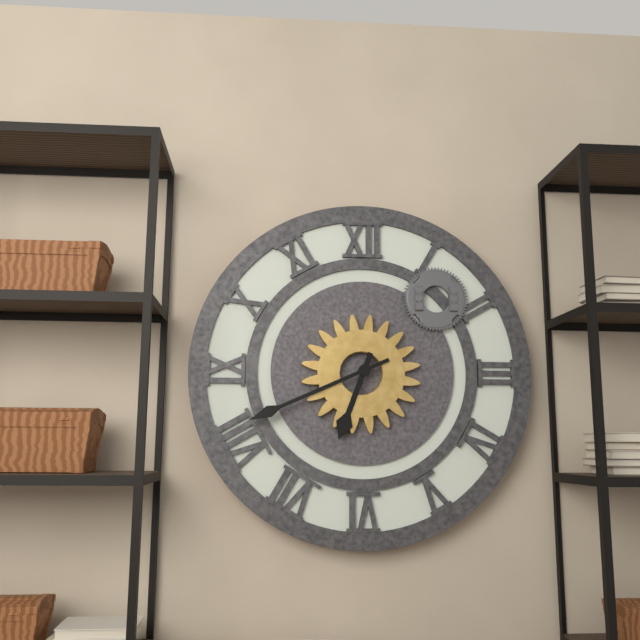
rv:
6.41
